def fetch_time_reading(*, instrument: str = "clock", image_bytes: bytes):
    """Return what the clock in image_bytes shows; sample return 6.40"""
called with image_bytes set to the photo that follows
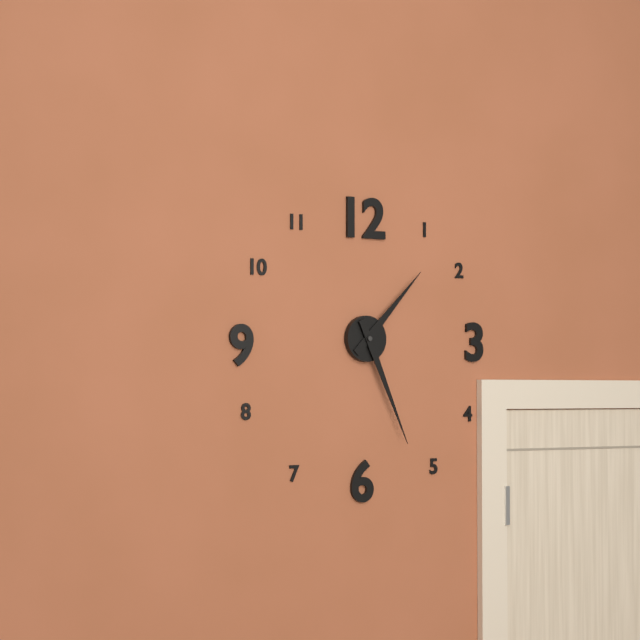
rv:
1.26
